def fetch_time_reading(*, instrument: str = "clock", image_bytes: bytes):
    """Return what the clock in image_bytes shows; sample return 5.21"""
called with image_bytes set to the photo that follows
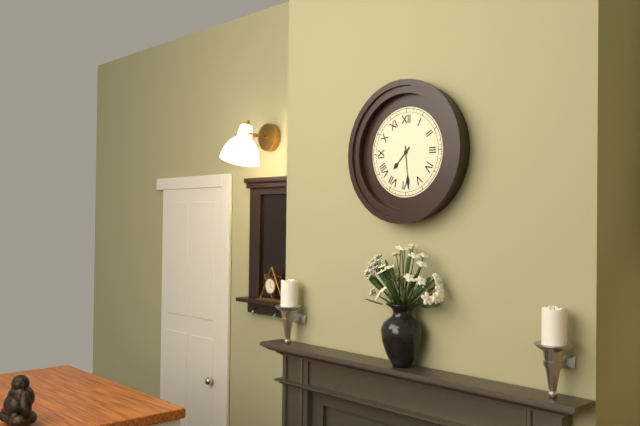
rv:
7.29
